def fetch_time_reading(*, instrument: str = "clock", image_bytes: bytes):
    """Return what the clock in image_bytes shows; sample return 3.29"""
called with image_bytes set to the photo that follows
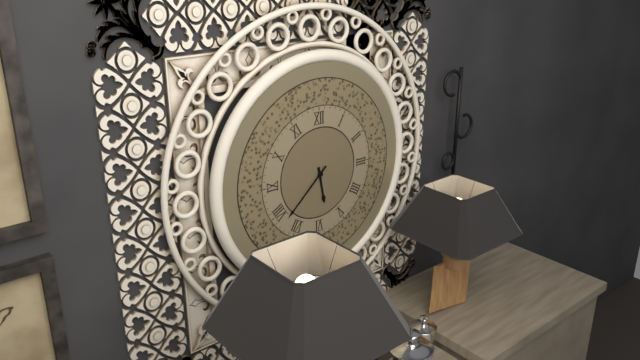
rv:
5.38
